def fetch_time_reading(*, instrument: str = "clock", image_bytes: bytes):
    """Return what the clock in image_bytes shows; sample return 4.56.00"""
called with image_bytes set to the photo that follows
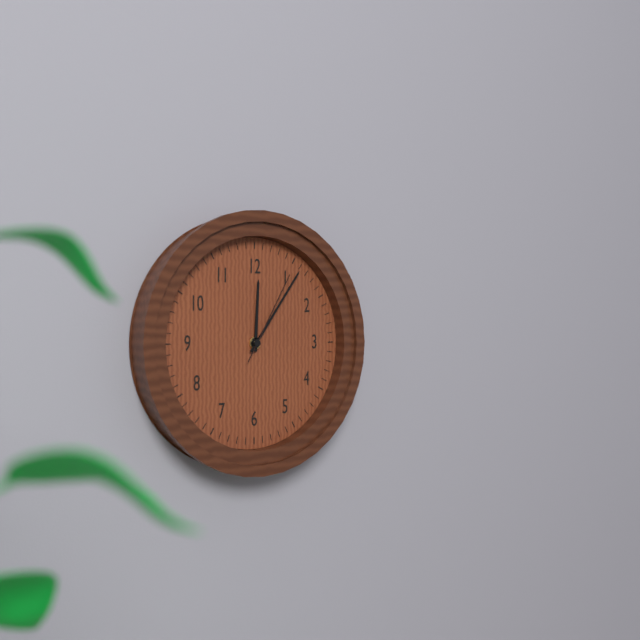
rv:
12.06.05
